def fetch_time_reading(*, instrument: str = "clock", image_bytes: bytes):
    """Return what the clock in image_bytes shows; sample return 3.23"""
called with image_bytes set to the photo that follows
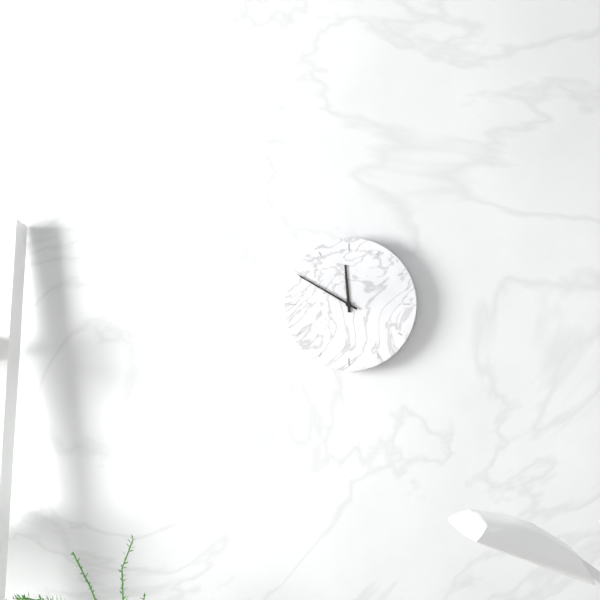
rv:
11.50
